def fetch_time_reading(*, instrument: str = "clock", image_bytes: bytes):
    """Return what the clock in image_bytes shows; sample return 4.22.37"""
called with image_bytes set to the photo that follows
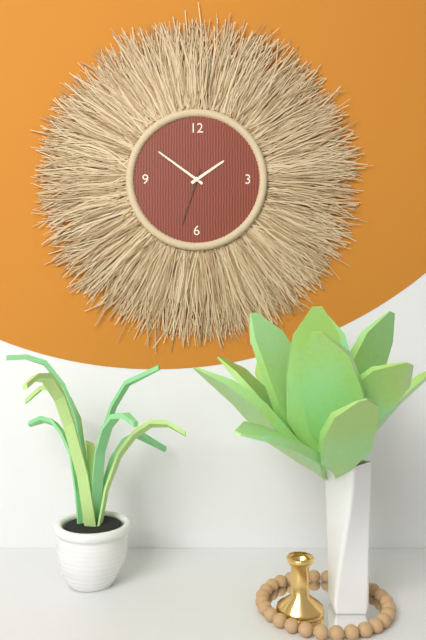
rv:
1.51.33
